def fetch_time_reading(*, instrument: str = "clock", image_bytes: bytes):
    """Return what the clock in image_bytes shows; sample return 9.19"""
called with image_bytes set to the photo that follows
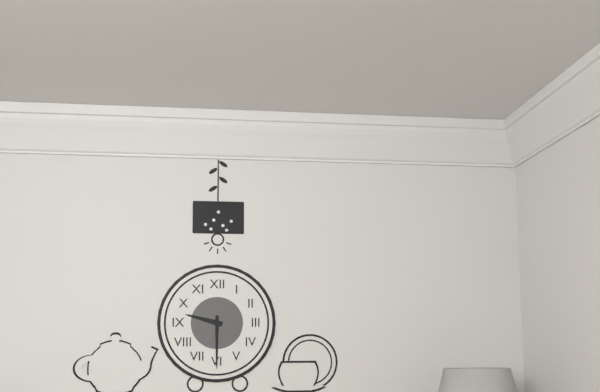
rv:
9.30
